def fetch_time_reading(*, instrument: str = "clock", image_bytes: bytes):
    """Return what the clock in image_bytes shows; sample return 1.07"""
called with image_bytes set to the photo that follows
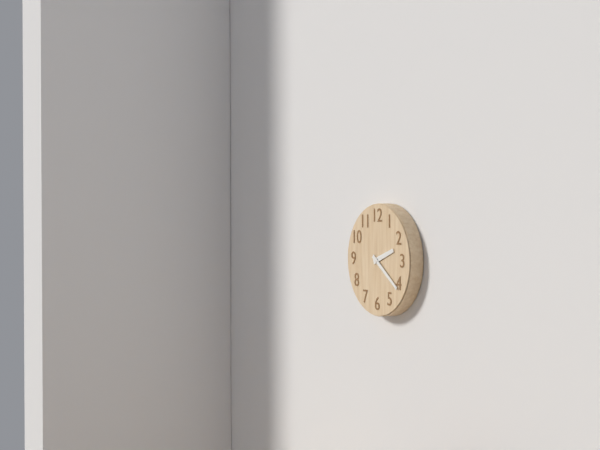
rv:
2.21
